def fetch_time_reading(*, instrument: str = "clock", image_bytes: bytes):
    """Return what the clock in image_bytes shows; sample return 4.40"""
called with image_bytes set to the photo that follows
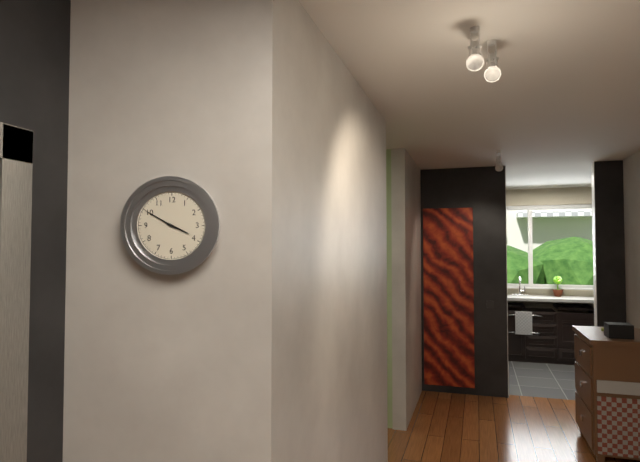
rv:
3.50
